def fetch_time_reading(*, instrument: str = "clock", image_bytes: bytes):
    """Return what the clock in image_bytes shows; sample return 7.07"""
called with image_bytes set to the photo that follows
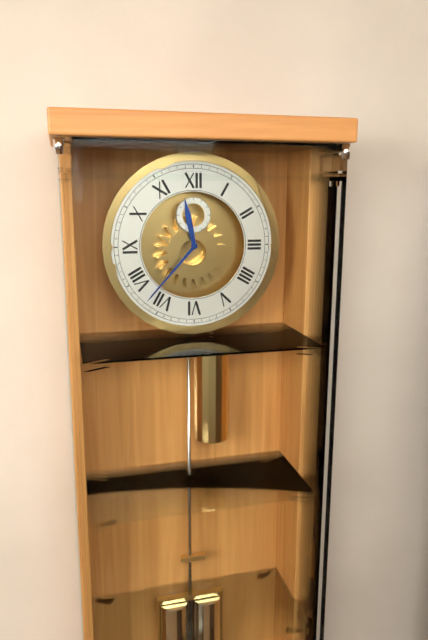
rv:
11.37
